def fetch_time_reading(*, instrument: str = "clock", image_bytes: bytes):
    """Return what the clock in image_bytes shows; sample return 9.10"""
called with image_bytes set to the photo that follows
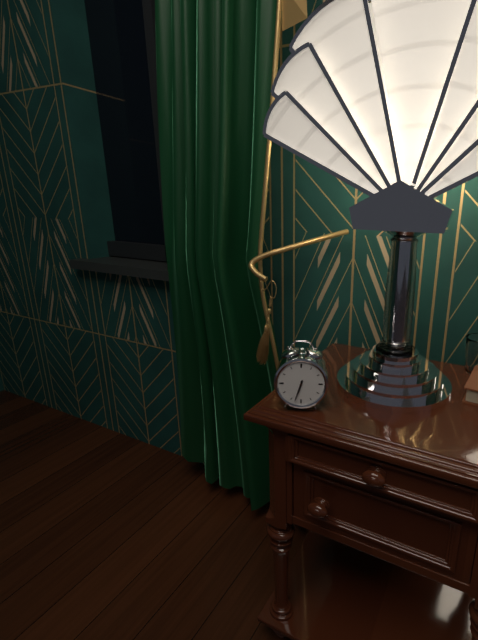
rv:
6.33
